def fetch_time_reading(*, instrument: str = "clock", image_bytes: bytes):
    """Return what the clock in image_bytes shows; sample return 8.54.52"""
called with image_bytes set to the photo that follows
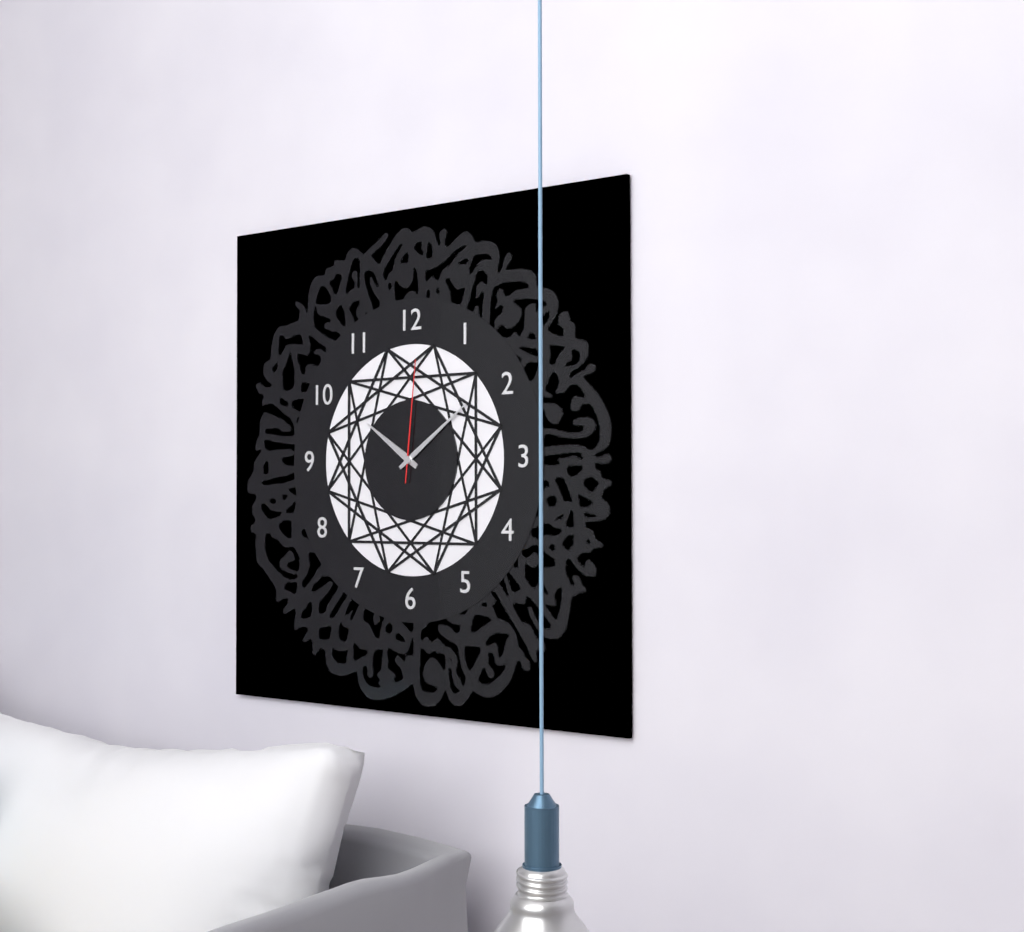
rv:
10.09.01
